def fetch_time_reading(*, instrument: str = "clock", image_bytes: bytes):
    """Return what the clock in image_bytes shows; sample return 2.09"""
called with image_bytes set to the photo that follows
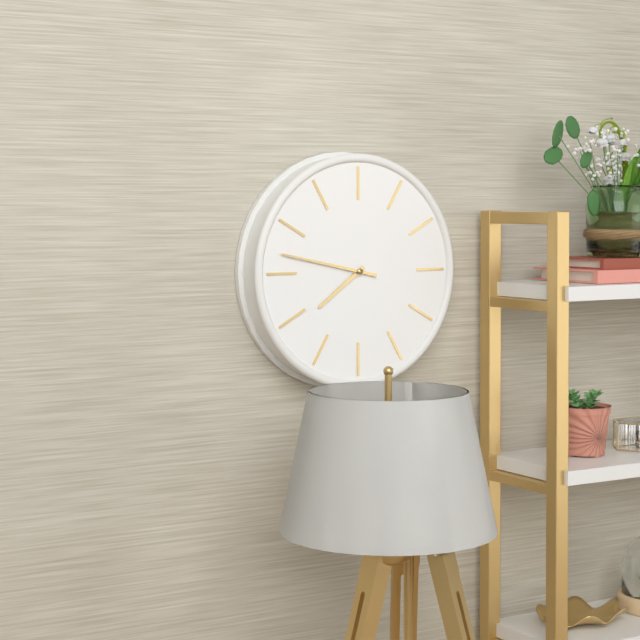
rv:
7.47
